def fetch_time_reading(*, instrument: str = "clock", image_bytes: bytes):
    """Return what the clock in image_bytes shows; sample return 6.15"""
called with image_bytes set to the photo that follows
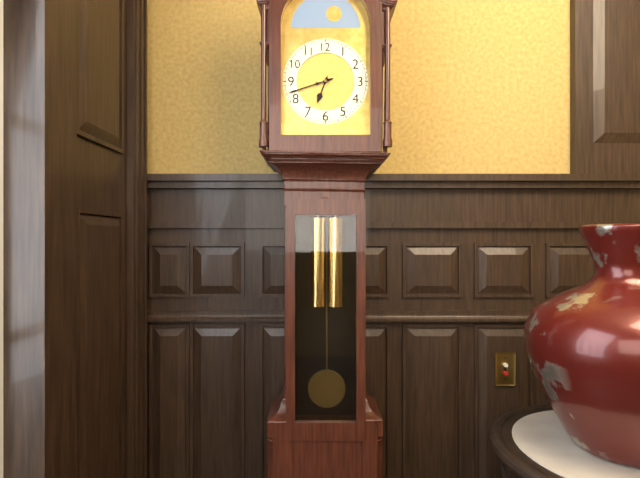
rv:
6.42
